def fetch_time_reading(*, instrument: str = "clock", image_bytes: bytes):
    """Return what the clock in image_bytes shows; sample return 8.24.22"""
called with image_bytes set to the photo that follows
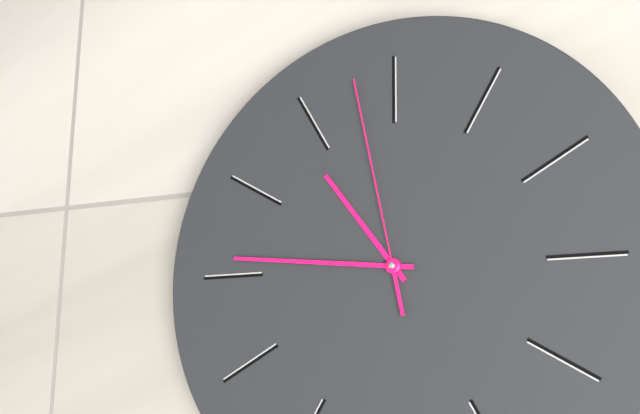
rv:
10.46.58
